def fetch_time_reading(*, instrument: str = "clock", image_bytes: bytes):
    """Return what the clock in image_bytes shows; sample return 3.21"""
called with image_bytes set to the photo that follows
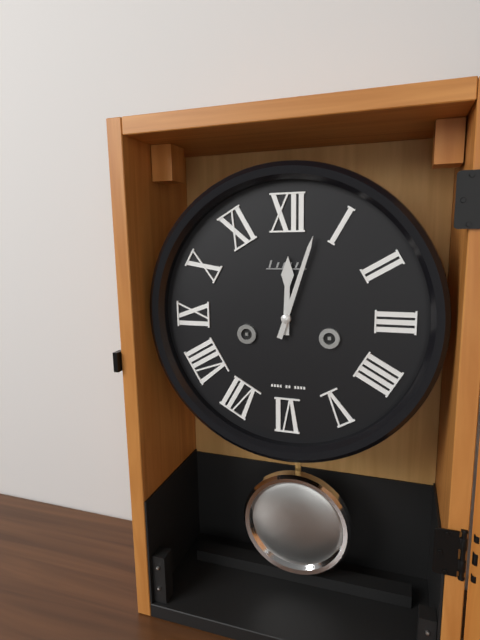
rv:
12.03
